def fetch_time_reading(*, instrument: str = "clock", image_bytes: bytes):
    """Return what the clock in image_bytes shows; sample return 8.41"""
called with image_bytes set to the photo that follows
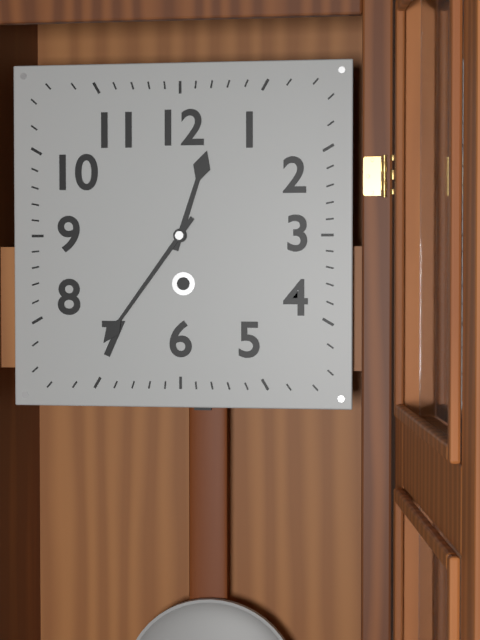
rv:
12.36
